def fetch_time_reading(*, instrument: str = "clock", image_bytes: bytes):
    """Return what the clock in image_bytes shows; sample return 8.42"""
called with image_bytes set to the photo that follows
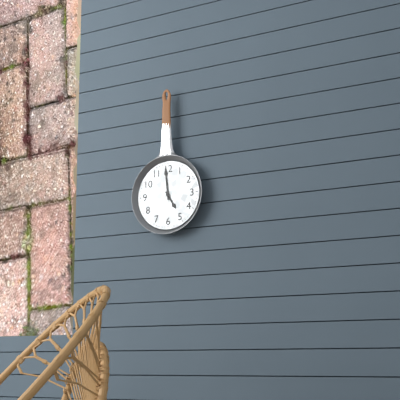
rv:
4.59
